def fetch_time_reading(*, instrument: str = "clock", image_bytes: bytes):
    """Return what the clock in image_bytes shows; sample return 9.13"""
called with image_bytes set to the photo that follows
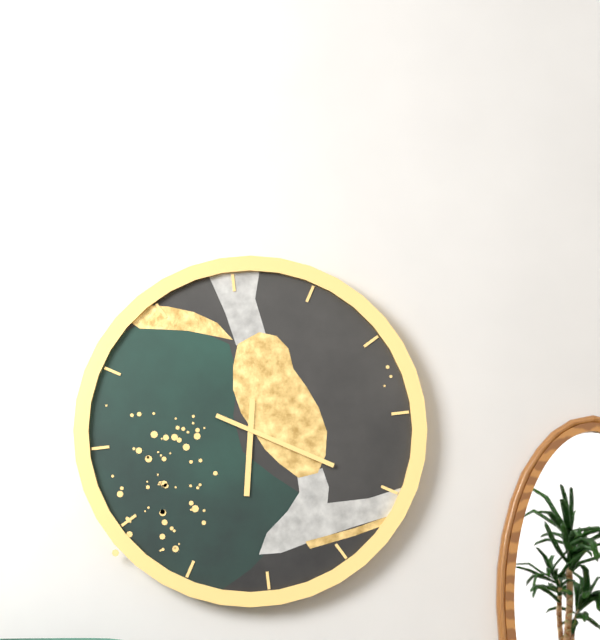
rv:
6.20
